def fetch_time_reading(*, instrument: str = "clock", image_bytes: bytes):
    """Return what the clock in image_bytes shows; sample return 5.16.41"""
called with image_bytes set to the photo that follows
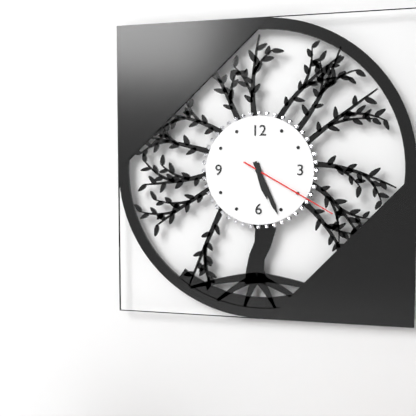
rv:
5.26.20
